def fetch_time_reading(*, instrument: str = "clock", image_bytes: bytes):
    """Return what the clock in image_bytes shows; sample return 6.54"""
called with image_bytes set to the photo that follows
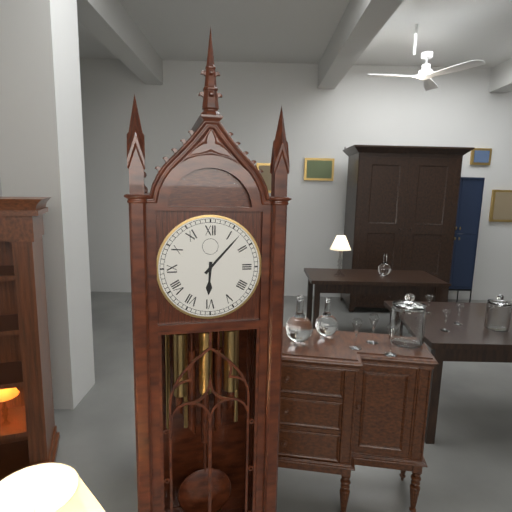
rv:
6.07
